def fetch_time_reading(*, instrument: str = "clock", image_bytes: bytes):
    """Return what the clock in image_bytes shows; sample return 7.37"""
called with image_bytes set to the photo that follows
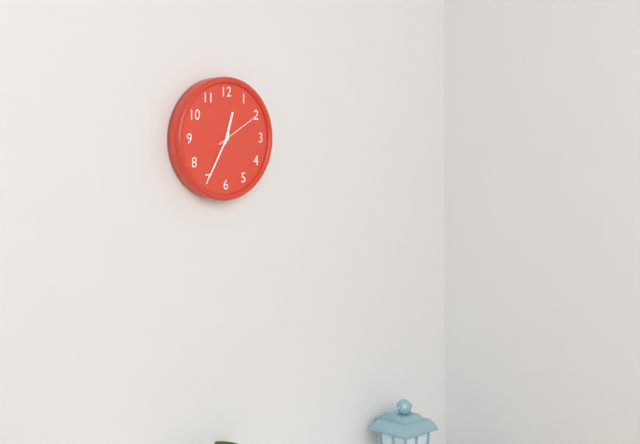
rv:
12.35
